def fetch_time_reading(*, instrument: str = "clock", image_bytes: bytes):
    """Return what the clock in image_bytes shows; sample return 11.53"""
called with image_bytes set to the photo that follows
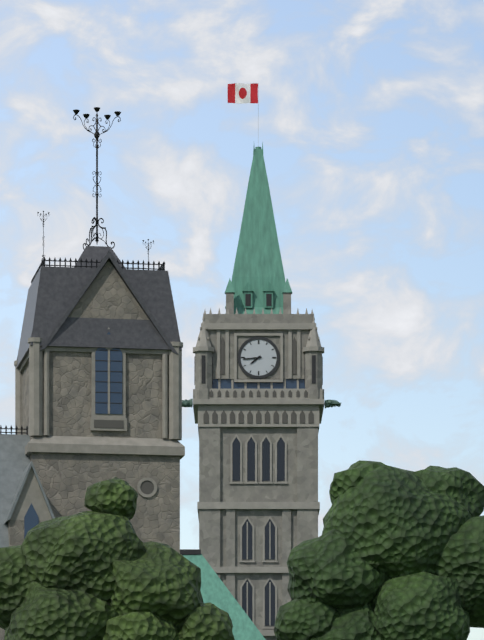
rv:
7.44
